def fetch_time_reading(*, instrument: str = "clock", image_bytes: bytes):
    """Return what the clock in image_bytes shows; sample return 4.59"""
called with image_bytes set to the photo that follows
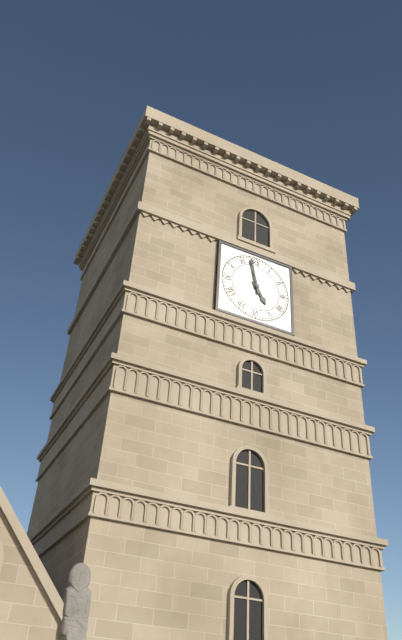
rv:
4.58
